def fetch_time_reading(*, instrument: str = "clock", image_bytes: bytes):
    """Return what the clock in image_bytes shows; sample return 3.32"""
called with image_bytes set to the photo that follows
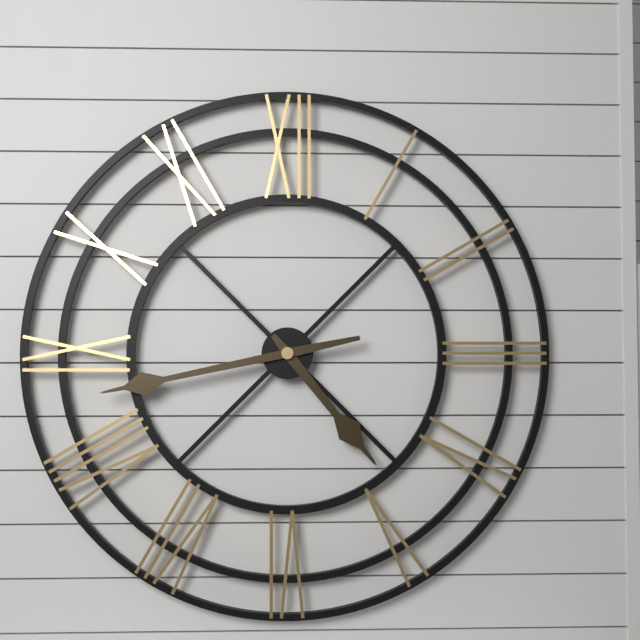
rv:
4.43
